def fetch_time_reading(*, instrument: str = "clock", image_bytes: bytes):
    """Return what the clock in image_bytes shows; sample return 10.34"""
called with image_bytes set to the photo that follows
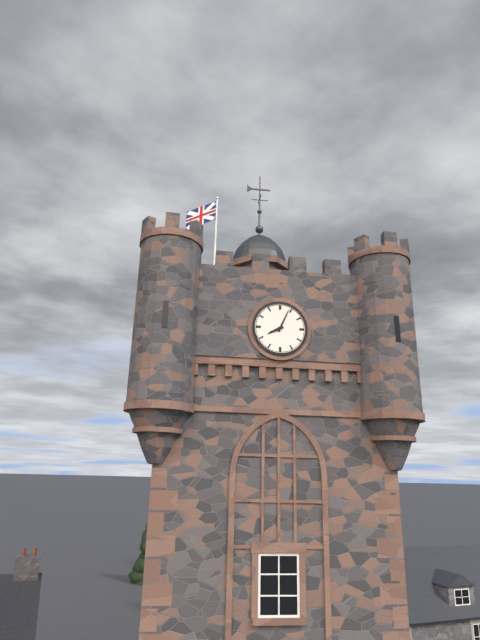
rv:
8.04
